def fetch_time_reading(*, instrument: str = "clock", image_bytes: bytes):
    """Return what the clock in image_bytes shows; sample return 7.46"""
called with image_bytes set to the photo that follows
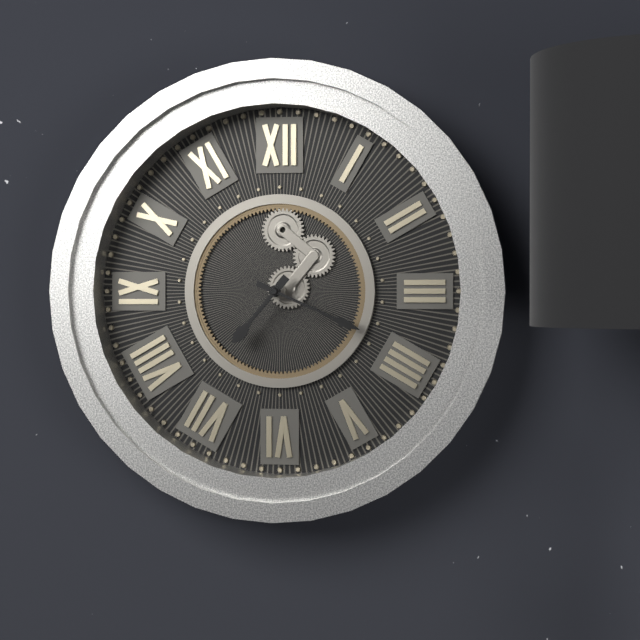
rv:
7.19
